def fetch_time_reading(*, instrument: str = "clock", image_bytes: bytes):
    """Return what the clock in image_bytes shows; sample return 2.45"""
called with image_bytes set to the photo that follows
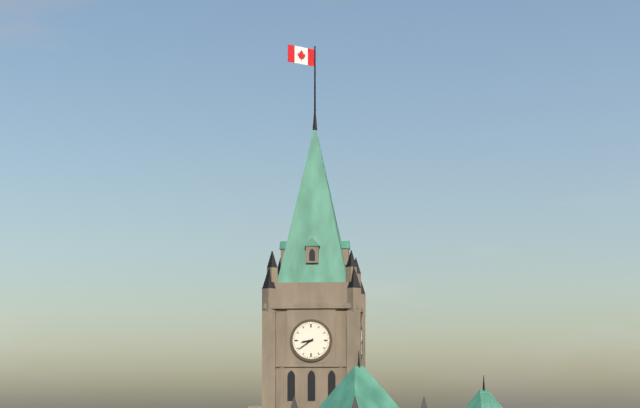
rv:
8.39
